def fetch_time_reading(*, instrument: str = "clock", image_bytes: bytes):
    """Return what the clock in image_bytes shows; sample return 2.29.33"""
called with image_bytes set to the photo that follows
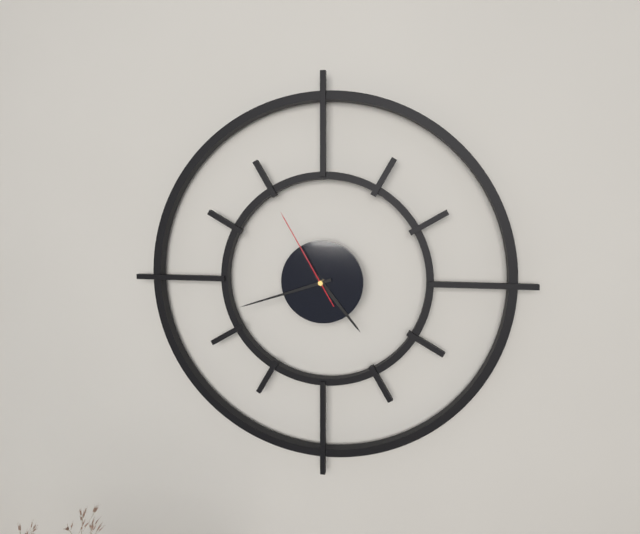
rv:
4.42.55
